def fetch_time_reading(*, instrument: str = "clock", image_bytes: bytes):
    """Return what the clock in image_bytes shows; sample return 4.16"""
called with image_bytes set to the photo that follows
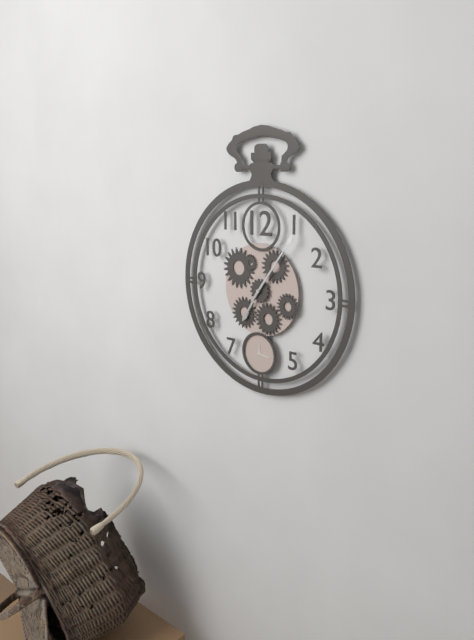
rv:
7.06
